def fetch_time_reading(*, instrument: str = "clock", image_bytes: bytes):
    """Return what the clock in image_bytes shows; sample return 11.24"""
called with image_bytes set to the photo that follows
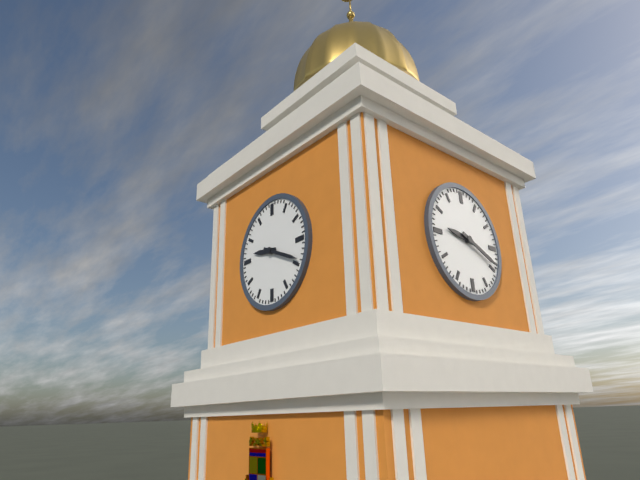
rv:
9.19
